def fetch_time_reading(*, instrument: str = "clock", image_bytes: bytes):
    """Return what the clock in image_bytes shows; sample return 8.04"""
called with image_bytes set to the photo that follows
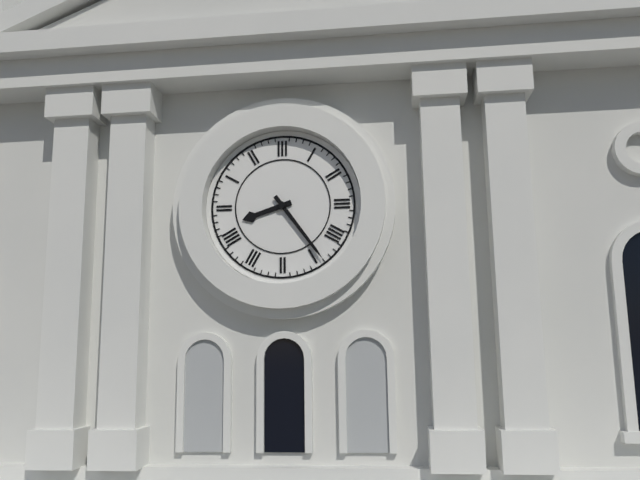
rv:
8.24
